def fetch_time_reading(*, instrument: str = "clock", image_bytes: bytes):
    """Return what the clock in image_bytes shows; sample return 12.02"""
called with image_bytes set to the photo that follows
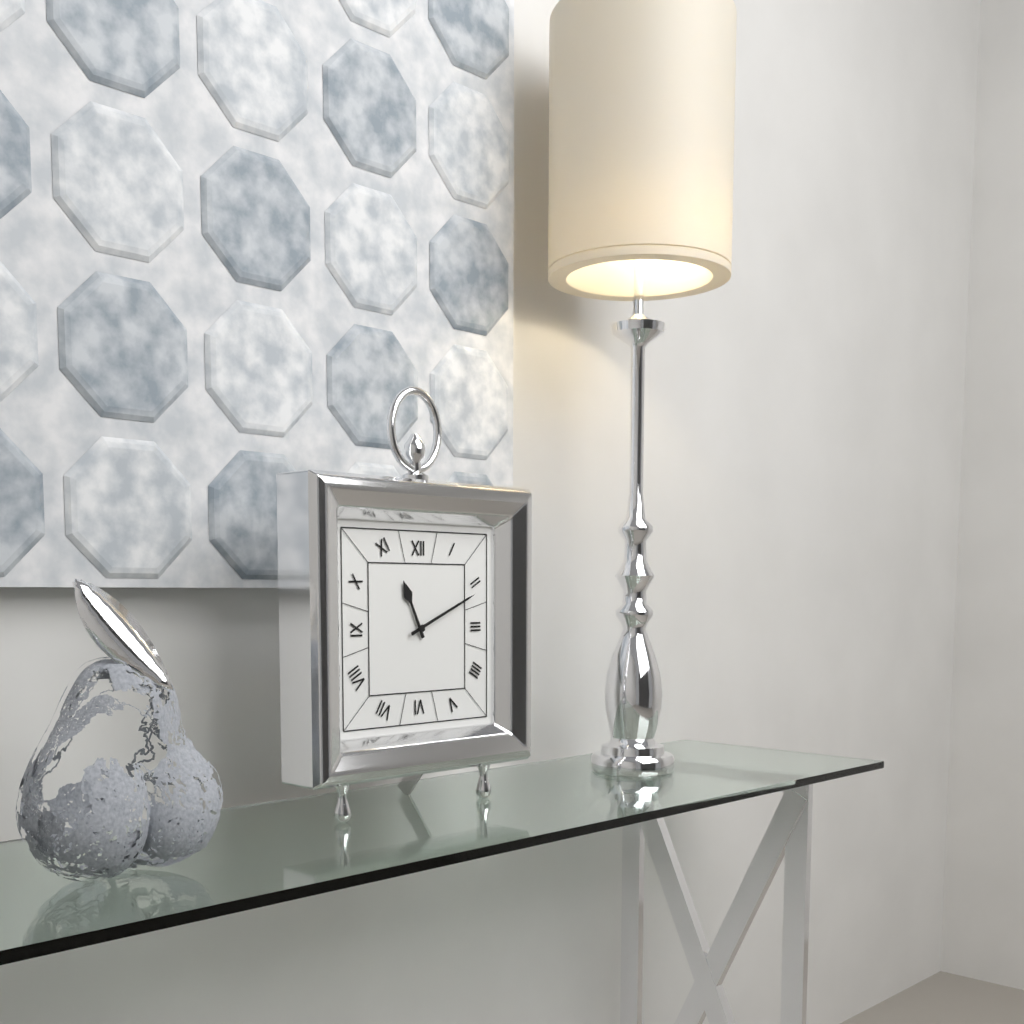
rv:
11.11
